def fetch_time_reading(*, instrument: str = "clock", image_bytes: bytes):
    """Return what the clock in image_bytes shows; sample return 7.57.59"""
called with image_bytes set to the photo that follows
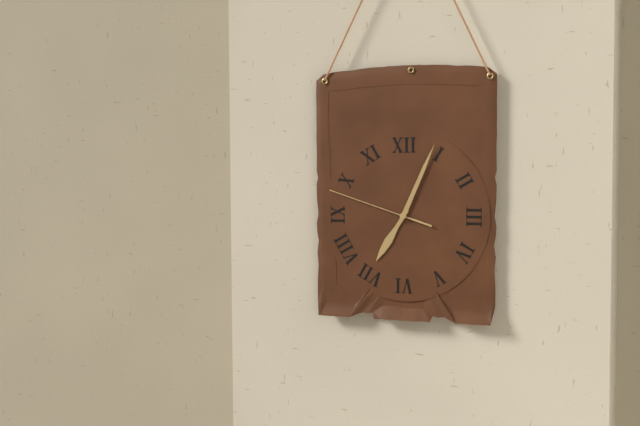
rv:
7.04.48
